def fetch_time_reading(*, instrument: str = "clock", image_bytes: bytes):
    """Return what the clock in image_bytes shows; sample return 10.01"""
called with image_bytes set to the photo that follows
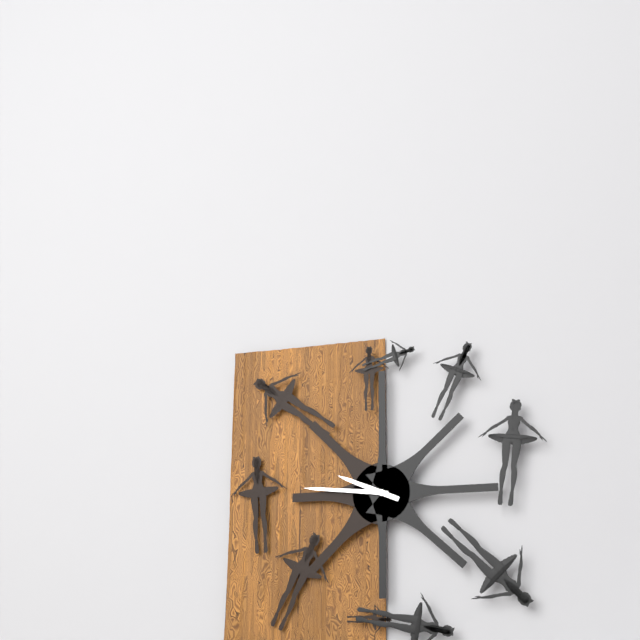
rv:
9.46
